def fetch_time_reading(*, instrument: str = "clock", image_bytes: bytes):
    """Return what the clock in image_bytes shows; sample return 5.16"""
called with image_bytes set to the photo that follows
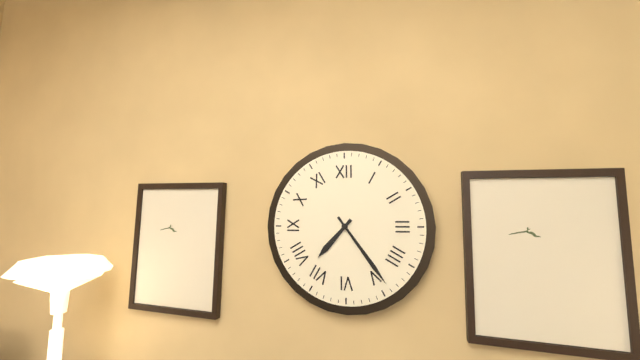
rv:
7.24
